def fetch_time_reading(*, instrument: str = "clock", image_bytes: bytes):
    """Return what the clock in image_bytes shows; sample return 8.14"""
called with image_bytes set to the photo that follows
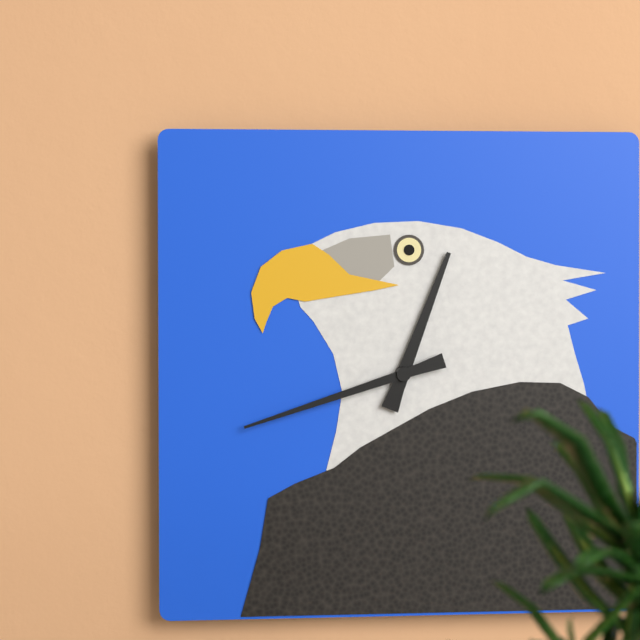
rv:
12.42
